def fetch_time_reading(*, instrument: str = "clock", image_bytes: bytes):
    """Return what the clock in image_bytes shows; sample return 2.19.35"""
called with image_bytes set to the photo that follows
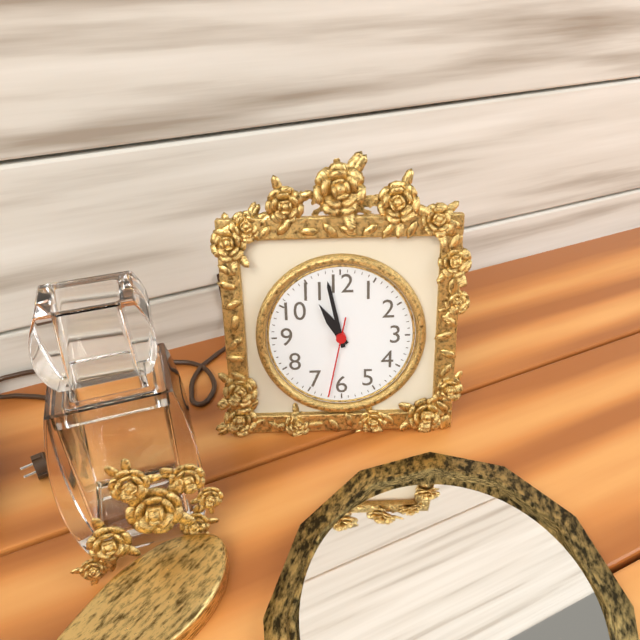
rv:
10.58.32
